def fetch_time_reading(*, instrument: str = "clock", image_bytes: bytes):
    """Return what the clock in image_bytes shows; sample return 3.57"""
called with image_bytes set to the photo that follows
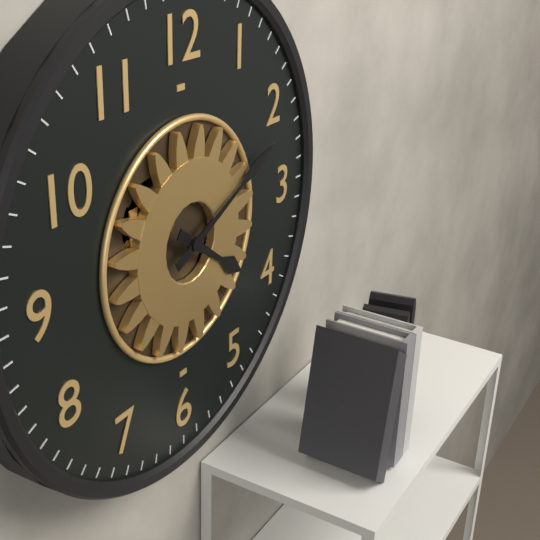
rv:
4.11
